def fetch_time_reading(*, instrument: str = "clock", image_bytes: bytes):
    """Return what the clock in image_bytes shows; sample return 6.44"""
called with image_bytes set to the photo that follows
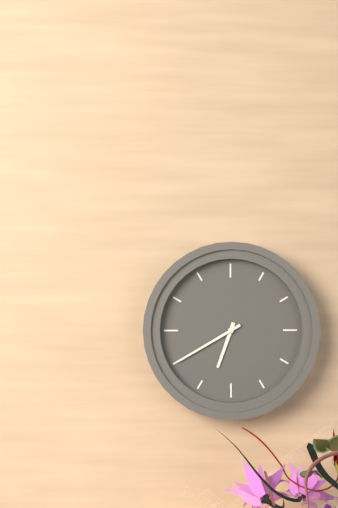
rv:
6.40
